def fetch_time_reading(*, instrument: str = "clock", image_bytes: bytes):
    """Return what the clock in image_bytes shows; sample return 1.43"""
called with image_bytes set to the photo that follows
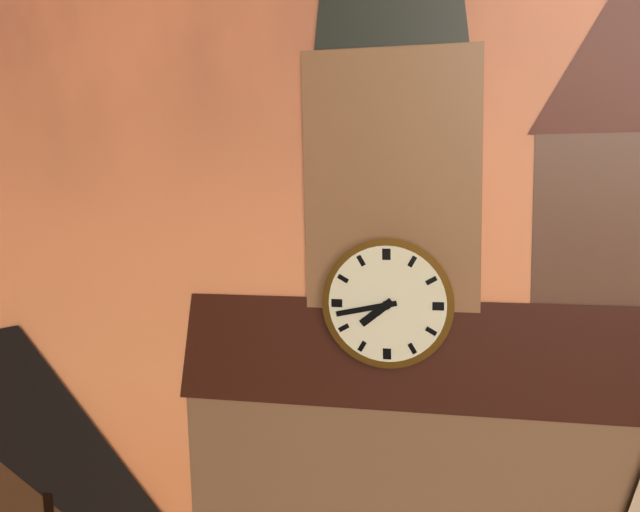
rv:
7.43
